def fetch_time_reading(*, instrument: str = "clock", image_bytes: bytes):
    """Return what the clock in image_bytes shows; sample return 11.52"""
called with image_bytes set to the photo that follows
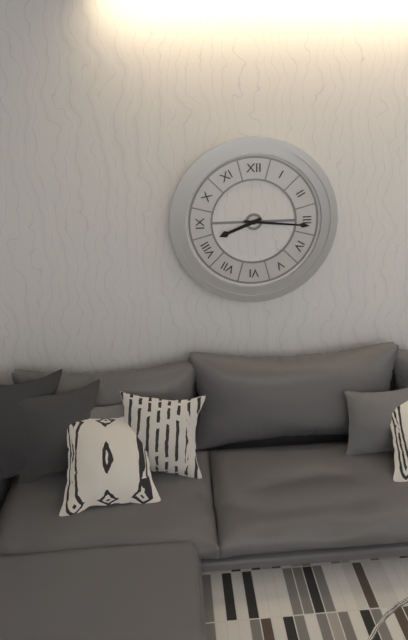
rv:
8.16
